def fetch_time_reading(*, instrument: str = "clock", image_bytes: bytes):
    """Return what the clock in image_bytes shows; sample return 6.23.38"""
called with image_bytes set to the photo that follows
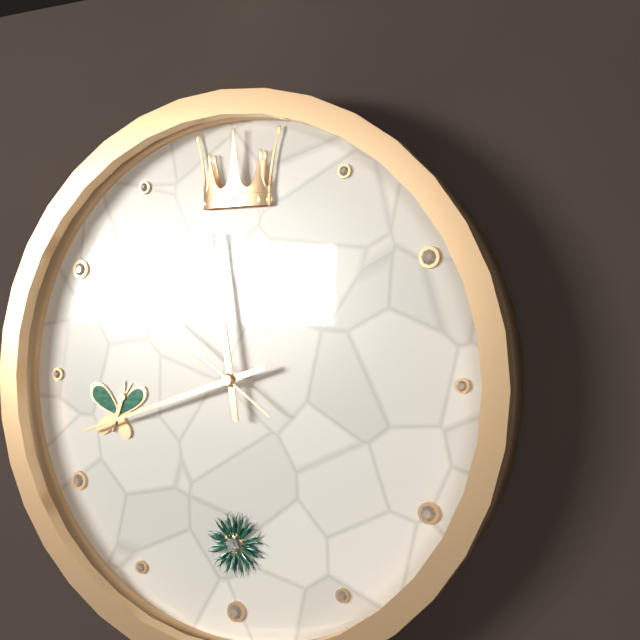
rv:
11.42.51
